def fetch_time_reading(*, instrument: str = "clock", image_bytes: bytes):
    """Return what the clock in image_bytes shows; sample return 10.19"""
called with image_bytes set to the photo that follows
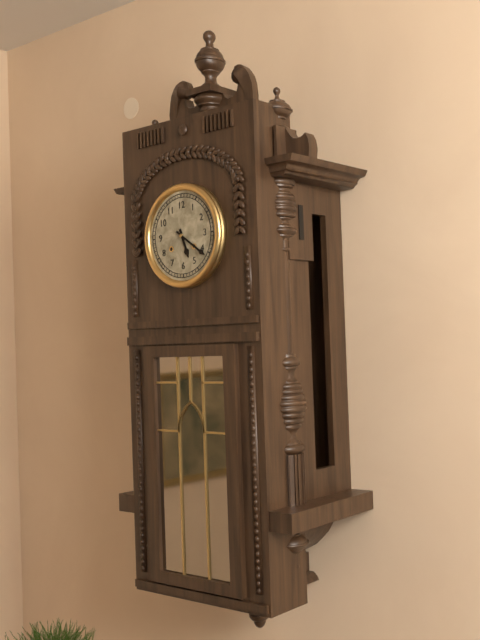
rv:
5.21
